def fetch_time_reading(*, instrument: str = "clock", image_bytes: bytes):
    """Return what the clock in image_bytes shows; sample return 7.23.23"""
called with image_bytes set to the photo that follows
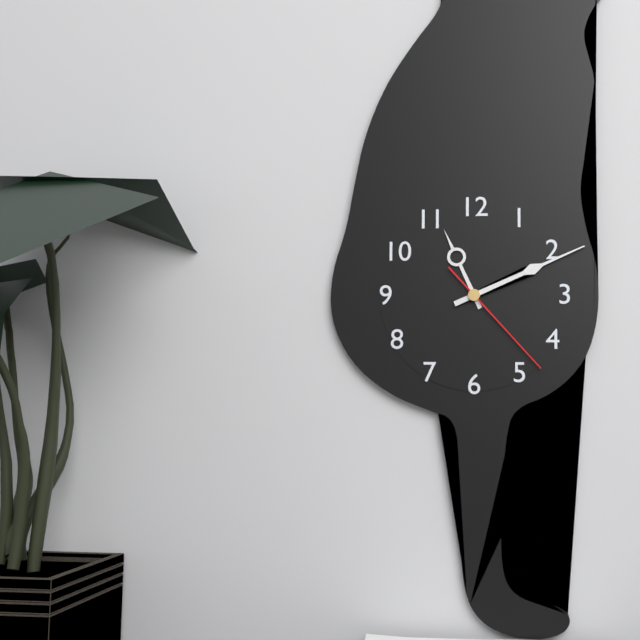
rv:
11.11.23
